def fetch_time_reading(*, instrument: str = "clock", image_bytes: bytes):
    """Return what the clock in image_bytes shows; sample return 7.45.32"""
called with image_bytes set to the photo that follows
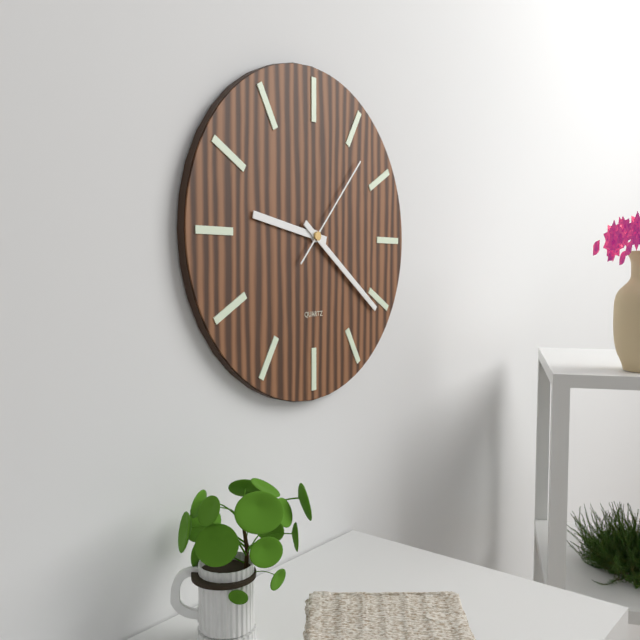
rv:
9.21.07
